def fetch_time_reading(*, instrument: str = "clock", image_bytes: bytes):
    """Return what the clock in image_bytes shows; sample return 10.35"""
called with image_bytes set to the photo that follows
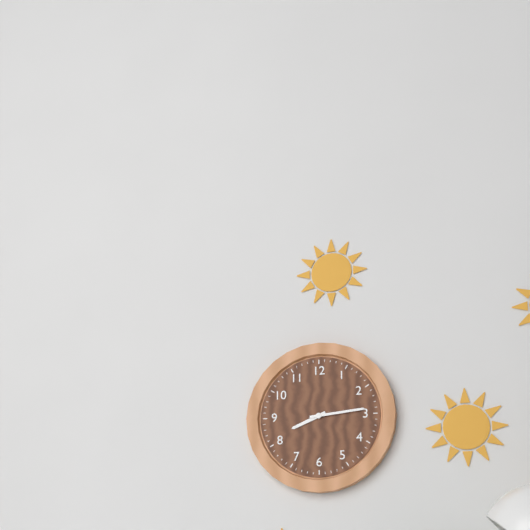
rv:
8.14
